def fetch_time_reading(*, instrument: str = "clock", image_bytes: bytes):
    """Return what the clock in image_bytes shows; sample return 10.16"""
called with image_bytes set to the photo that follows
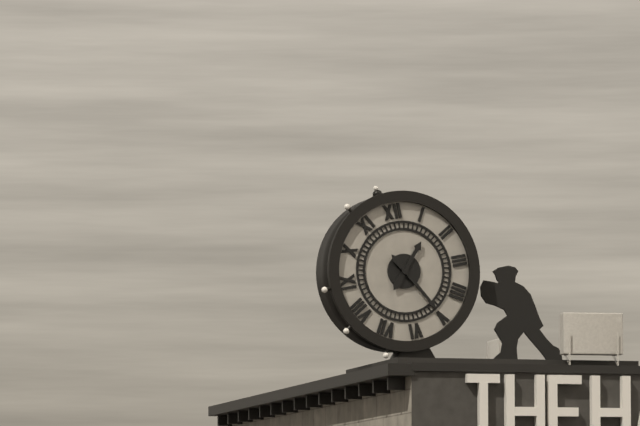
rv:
1.25
